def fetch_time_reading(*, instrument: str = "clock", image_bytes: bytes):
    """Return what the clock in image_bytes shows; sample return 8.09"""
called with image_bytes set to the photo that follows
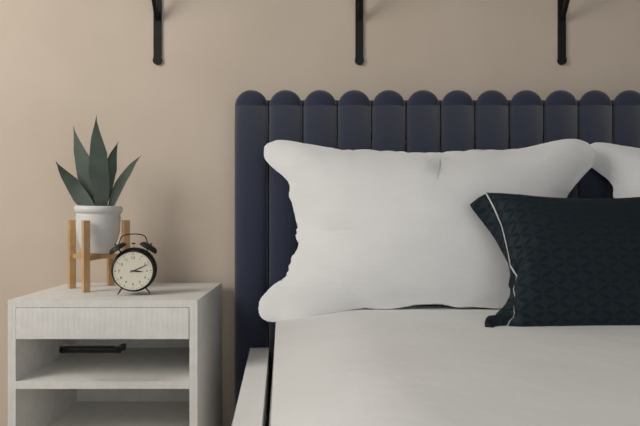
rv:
3.11
